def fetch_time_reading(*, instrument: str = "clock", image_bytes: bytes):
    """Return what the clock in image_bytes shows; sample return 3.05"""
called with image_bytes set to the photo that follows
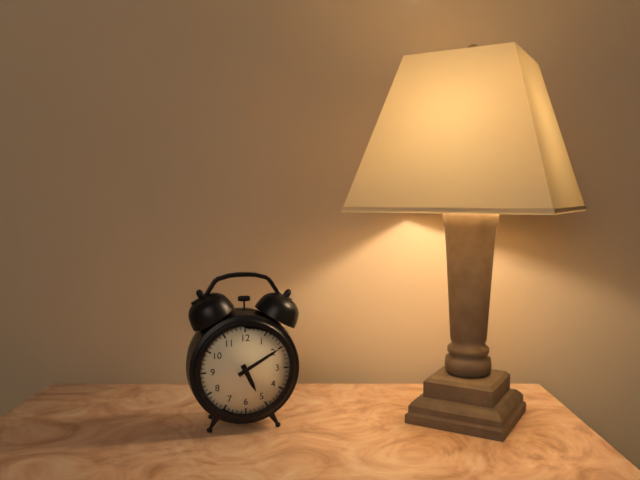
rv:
5.10
